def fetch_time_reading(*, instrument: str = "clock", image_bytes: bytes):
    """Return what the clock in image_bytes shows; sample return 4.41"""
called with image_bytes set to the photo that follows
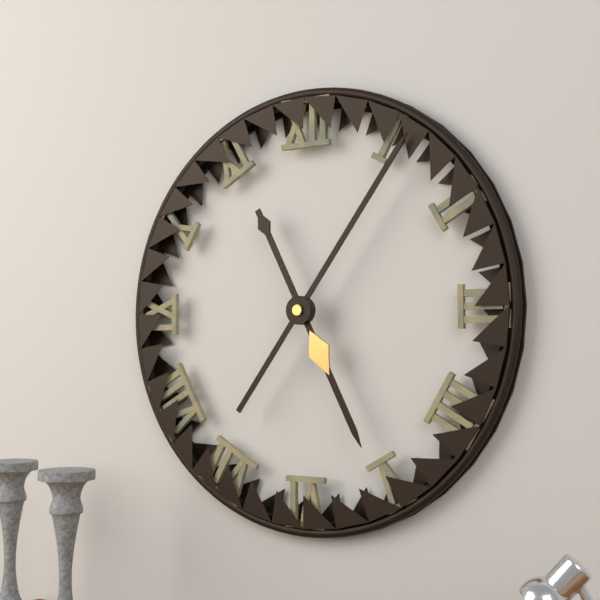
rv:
5.06
